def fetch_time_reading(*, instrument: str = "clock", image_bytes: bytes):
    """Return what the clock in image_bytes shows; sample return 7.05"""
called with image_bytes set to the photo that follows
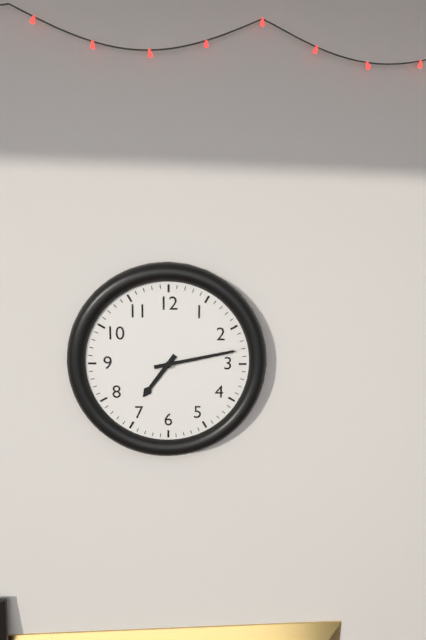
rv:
7.13
